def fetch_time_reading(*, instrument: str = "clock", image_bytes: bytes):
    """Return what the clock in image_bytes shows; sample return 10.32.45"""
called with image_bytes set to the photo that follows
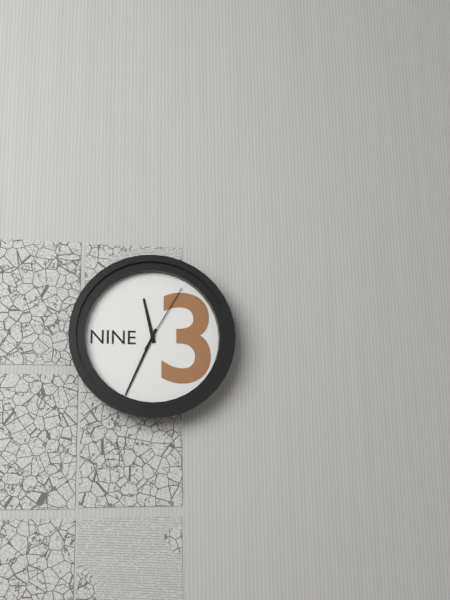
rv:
11.34.05
